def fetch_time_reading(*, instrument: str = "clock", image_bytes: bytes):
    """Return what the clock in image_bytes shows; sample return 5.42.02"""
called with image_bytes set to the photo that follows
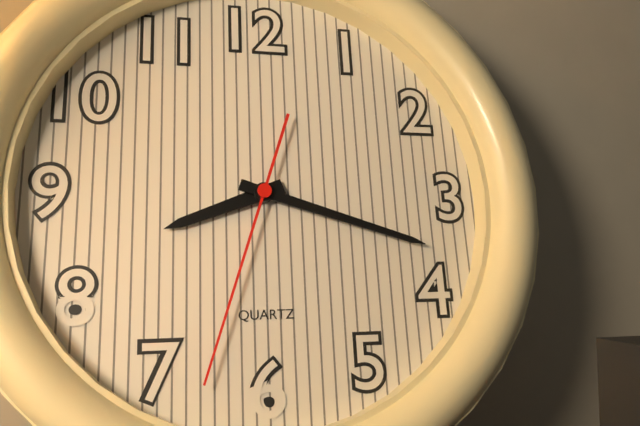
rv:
8.18.33
